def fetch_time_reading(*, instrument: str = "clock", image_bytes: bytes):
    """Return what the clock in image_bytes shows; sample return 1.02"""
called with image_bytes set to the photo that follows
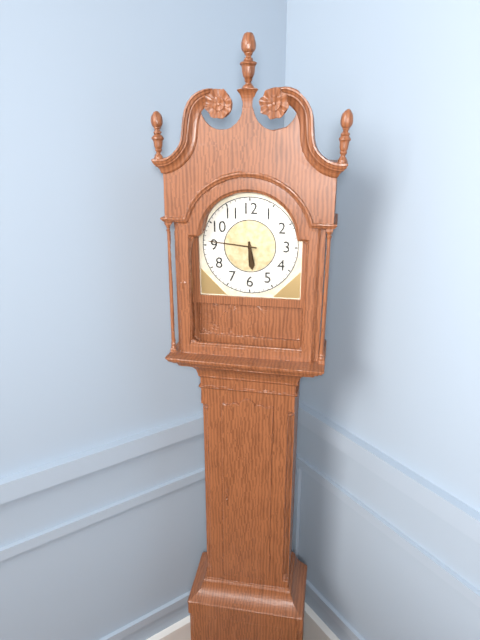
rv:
5.46
